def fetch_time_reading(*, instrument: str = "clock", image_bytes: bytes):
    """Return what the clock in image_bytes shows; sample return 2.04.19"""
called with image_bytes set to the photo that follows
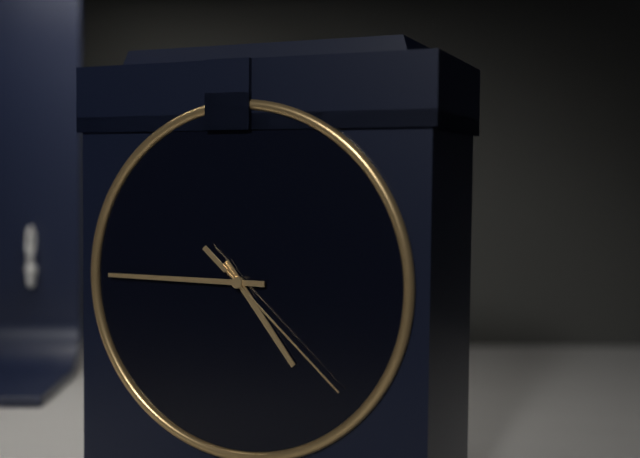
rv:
4.45.22
